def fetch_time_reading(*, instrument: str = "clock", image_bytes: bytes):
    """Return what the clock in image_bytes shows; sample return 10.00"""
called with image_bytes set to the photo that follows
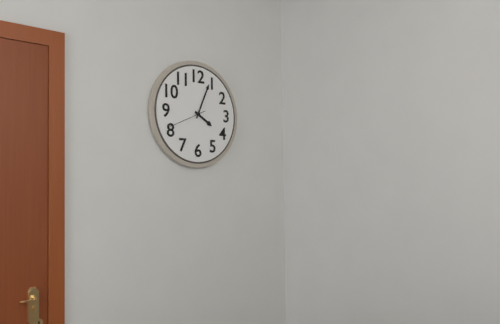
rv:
4.04
